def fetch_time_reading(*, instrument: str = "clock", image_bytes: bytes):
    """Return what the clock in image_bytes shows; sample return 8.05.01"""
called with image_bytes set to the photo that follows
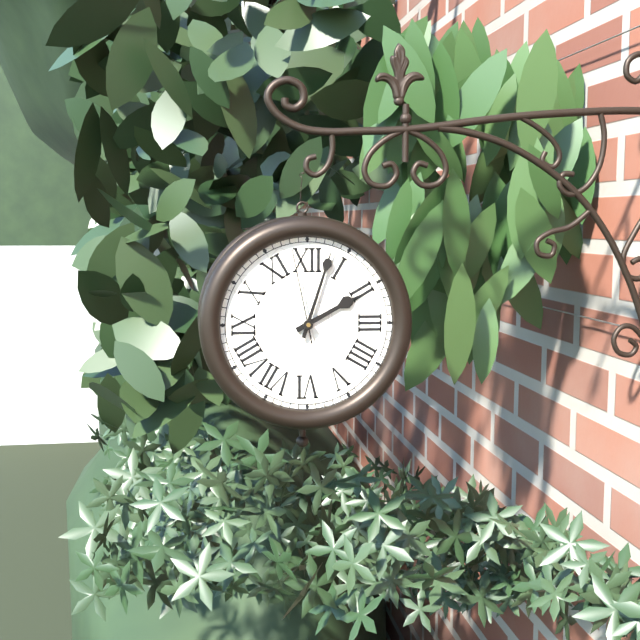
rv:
2.03.58
